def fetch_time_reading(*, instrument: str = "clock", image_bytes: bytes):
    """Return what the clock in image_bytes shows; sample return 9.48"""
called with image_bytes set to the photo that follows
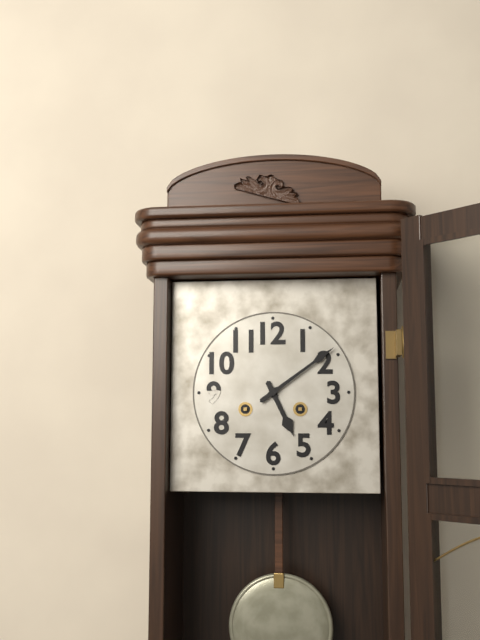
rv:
5.09
